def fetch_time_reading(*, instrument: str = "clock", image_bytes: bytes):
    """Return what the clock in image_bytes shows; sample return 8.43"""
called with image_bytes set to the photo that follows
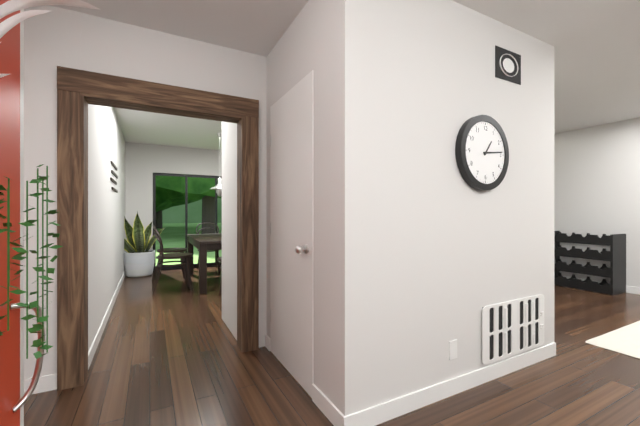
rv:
1.14
